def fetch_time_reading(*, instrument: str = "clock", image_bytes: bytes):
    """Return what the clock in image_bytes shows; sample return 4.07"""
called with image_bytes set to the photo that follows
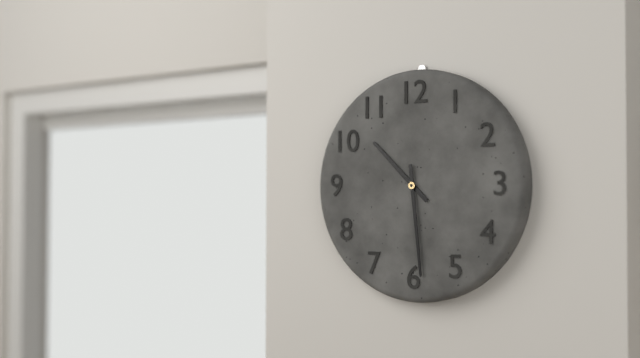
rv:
10.29
